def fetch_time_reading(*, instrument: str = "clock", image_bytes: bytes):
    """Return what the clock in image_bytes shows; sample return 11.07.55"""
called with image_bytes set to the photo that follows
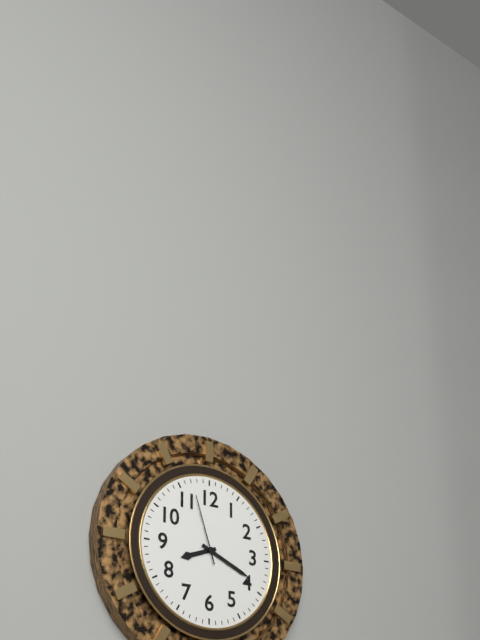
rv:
8.19.57
